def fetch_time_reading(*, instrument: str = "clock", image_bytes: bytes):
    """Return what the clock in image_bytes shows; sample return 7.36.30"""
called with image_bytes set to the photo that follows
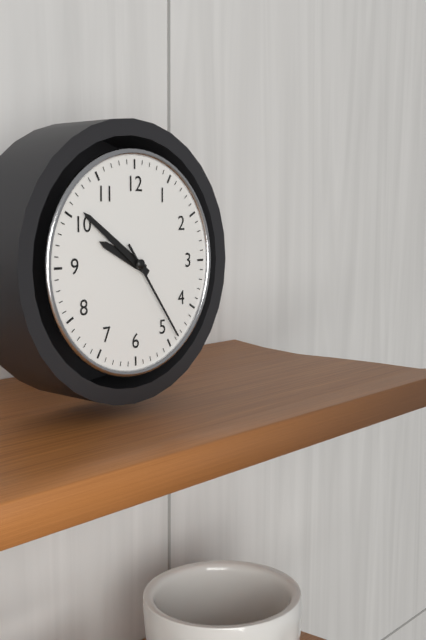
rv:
9.51.24
